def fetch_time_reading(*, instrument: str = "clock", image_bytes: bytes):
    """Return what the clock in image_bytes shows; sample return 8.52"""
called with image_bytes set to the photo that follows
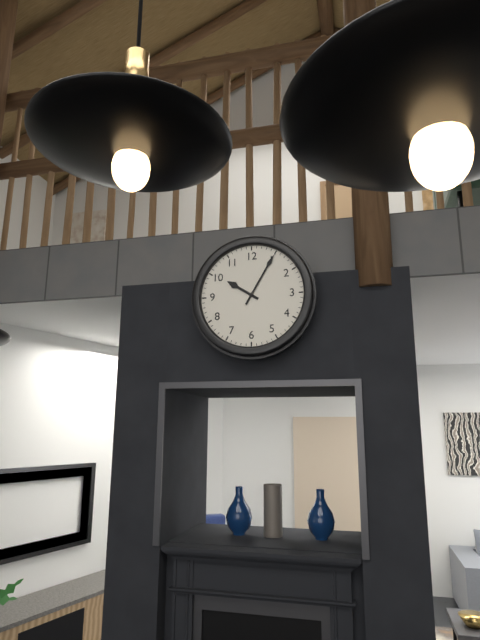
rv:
10.05
